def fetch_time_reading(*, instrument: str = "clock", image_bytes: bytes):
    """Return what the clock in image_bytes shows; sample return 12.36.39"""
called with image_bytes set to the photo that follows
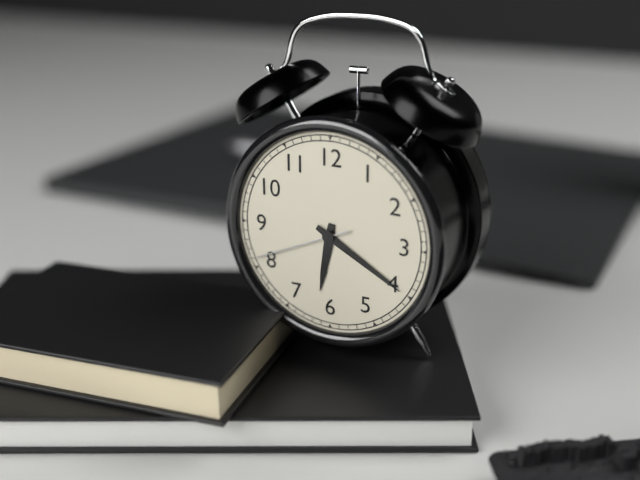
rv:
6.20.41
